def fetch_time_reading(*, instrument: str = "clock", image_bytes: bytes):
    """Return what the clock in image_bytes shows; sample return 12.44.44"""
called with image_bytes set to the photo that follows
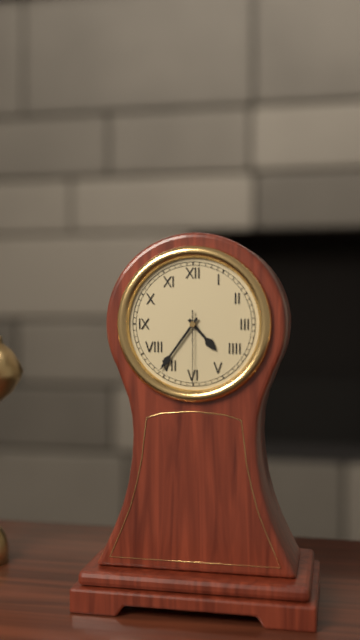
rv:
4.36.30
